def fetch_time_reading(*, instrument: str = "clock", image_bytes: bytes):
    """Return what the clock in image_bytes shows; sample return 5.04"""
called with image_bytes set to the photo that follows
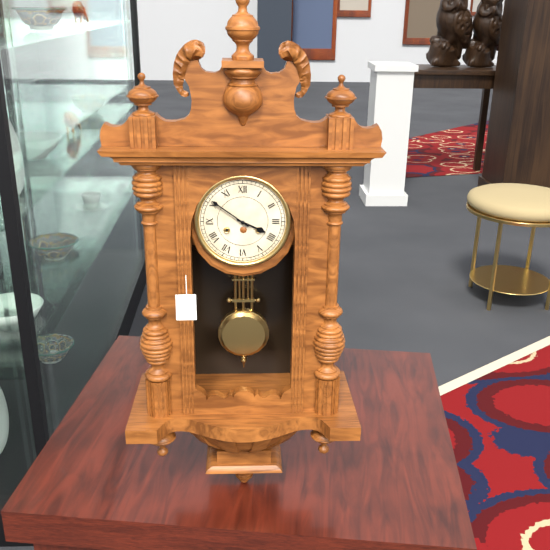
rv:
3.51
